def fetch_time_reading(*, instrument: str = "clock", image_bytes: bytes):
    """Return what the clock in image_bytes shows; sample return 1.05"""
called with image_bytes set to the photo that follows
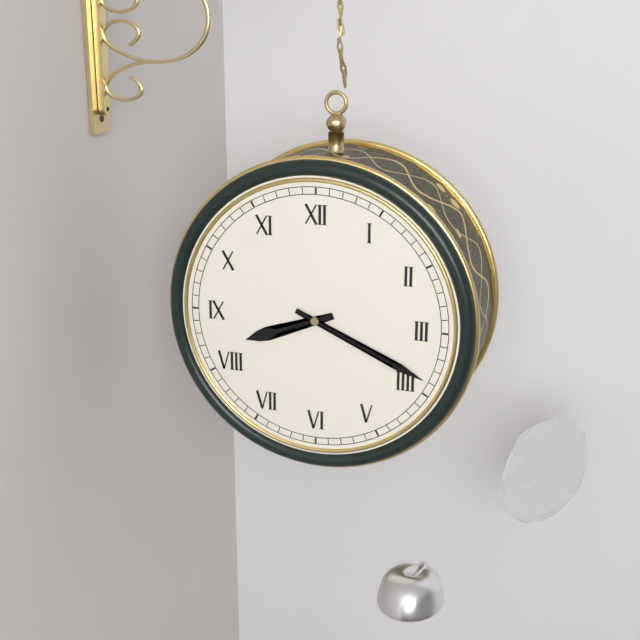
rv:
8.19
